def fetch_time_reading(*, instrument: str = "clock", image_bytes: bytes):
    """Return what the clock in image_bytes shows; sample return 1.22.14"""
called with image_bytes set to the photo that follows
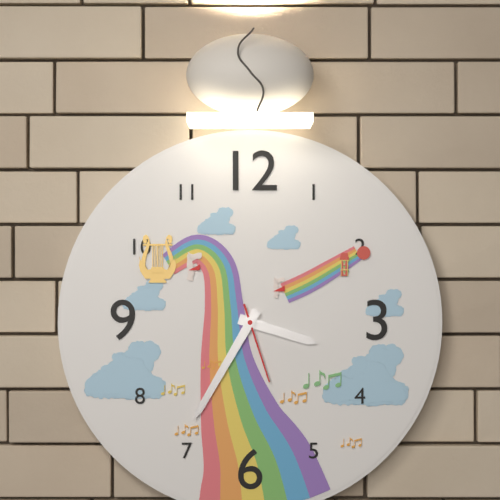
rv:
3.35.27
